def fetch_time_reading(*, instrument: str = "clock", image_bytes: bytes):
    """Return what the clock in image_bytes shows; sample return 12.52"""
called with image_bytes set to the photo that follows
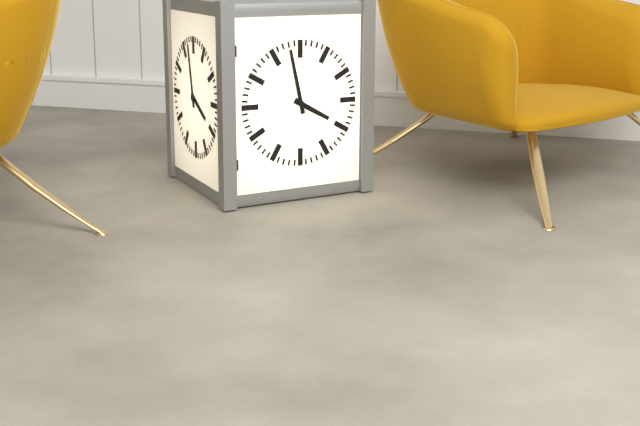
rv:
3.58
